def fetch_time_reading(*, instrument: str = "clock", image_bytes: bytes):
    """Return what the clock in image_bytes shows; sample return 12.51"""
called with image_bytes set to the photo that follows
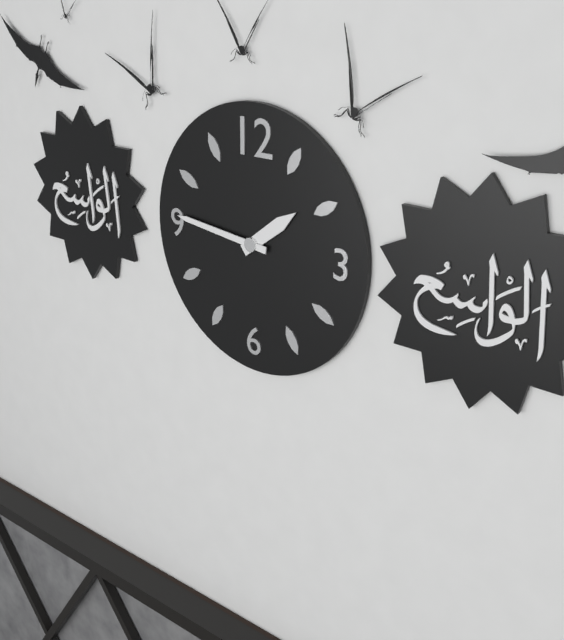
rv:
1.46
